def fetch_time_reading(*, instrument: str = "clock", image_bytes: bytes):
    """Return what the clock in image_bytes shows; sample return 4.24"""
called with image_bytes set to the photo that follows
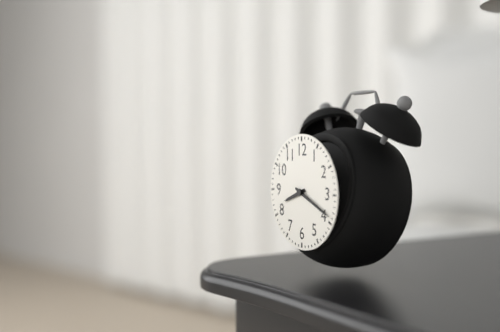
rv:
8.19
